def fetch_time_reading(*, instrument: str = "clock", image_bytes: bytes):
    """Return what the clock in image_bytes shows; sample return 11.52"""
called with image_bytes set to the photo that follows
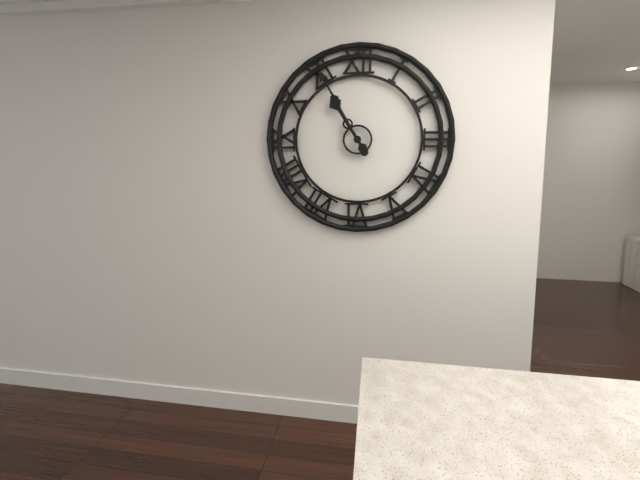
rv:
10.55
